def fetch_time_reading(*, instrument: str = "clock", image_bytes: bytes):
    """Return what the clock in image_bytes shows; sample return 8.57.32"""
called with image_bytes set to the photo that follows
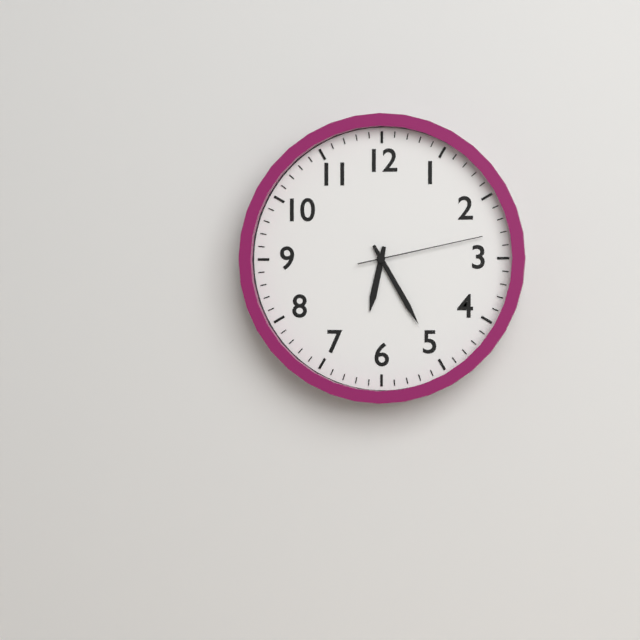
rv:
6.25.13
